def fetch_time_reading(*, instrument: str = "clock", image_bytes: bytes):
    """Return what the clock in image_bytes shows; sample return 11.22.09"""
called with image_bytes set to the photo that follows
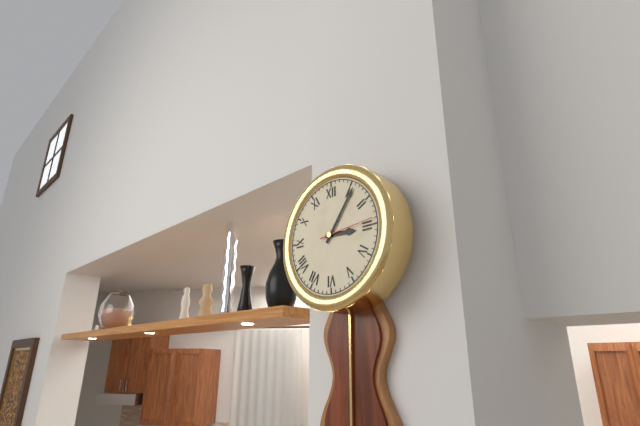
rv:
3.06.14
